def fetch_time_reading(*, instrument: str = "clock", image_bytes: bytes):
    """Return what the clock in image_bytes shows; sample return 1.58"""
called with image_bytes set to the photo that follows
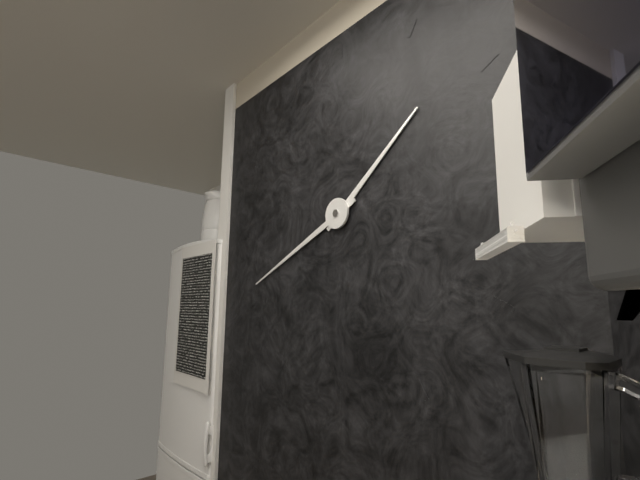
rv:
1.41
